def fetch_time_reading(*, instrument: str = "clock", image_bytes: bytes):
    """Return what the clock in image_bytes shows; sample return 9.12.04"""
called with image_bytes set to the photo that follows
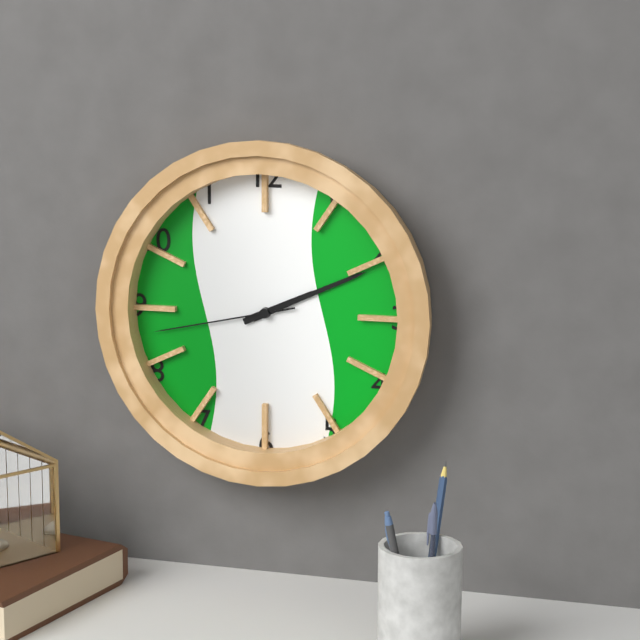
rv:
2.11.43
